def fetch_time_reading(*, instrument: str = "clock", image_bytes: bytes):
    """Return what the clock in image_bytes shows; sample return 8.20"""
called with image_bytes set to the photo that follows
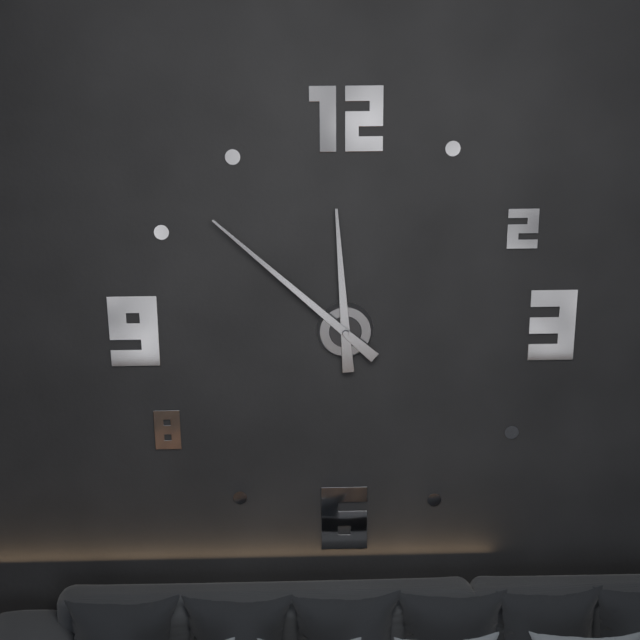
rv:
11.52
